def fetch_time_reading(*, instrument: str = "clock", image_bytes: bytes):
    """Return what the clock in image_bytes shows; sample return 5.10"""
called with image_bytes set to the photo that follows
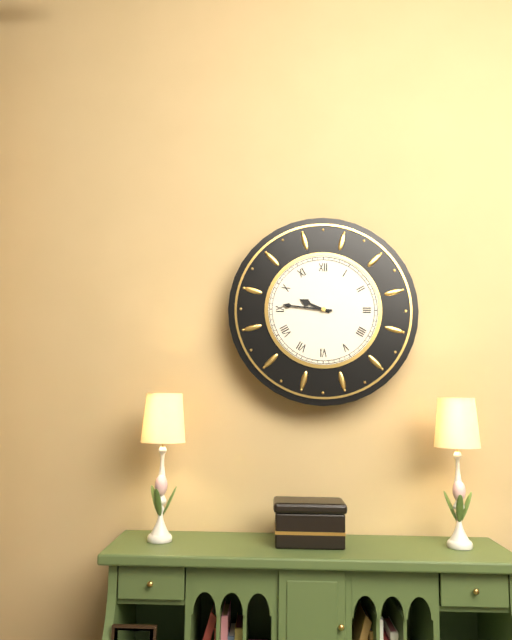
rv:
9.46
